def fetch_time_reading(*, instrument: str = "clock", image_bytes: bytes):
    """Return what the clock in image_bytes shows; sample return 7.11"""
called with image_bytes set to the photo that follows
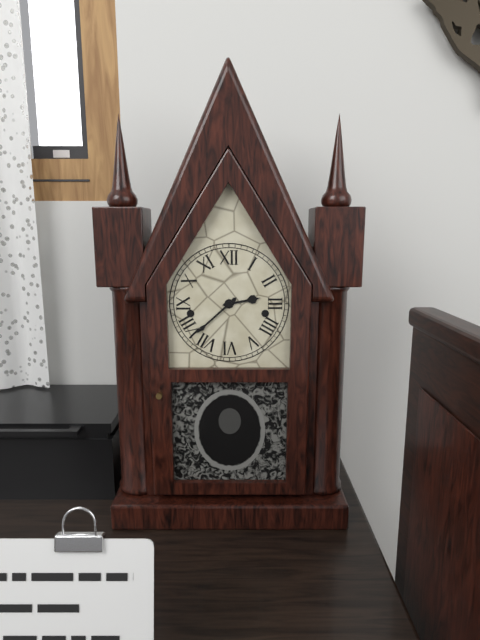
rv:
2.38
